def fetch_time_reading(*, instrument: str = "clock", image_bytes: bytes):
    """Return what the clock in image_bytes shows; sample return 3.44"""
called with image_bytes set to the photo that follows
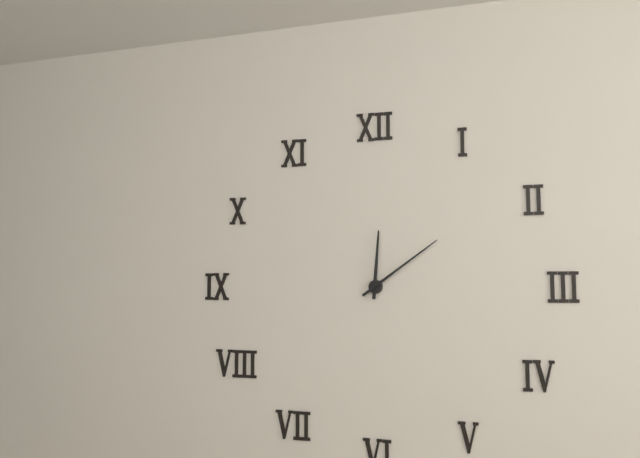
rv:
12.09
